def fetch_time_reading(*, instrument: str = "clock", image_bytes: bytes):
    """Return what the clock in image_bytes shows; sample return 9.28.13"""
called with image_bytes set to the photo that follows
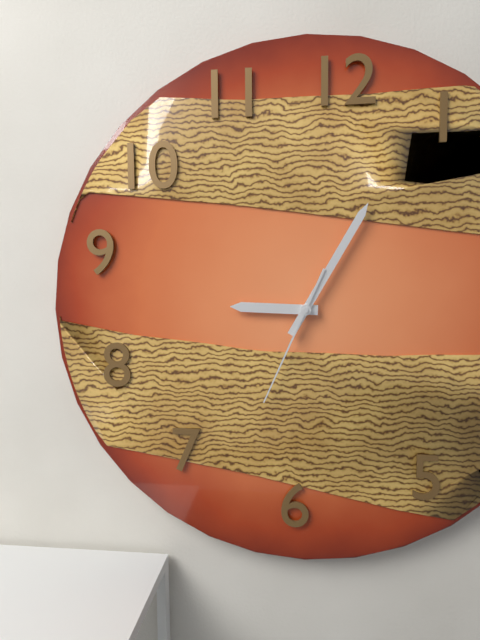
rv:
9.05.34
